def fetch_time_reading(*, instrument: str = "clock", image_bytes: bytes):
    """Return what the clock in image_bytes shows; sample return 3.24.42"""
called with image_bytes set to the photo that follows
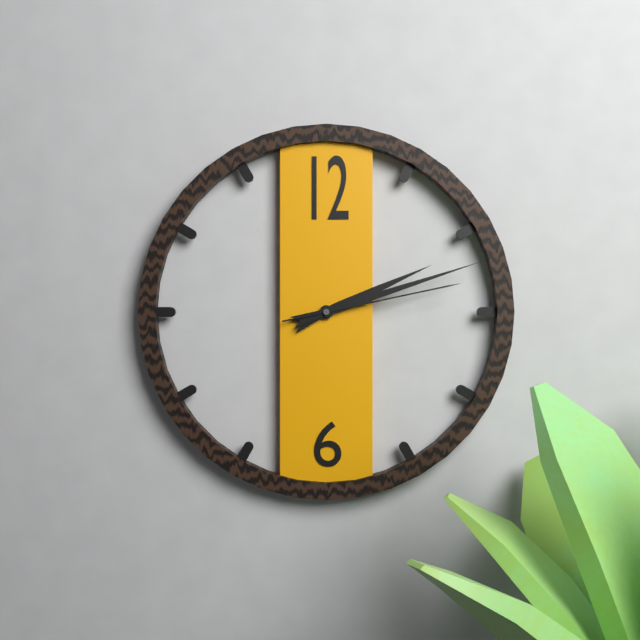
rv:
2.12.13
